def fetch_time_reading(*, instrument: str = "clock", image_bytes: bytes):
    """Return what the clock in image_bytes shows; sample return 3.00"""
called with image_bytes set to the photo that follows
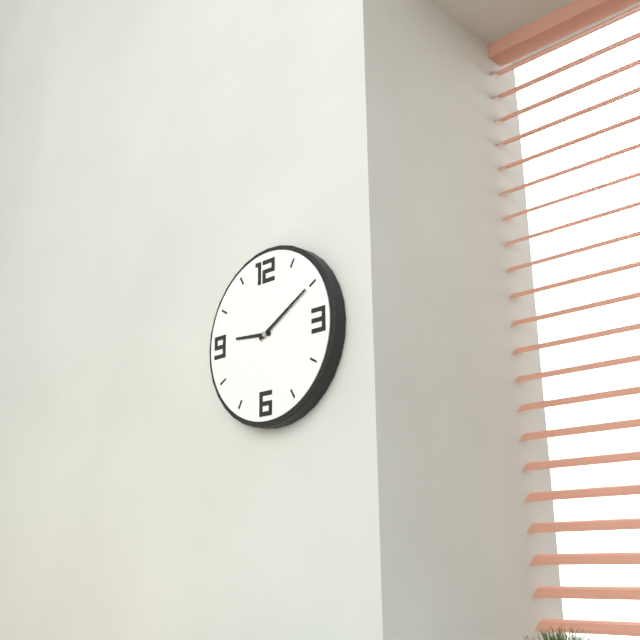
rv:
9.10
